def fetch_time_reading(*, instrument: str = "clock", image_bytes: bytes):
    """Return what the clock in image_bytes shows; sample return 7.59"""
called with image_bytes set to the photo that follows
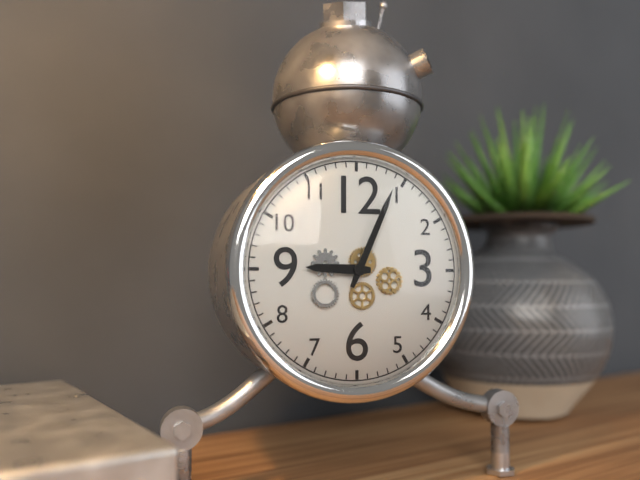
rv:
9.04
